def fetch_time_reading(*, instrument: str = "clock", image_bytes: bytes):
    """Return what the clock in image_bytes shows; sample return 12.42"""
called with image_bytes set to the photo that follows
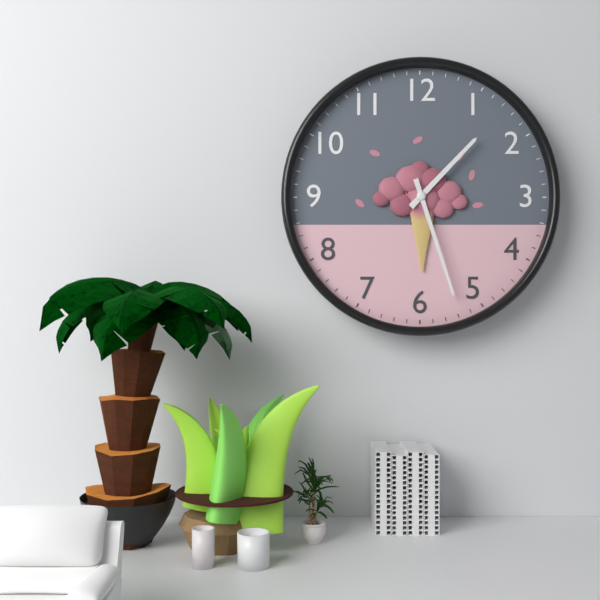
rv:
1.27
